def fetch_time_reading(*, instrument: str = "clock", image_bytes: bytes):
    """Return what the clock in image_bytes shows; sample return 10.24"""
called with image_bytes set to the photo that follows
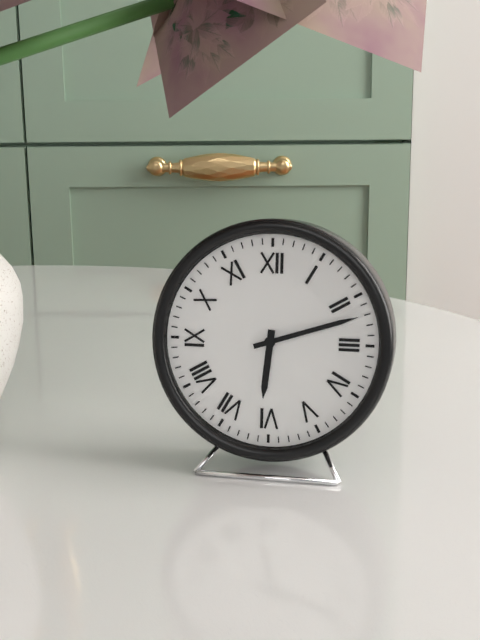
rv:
6.12
